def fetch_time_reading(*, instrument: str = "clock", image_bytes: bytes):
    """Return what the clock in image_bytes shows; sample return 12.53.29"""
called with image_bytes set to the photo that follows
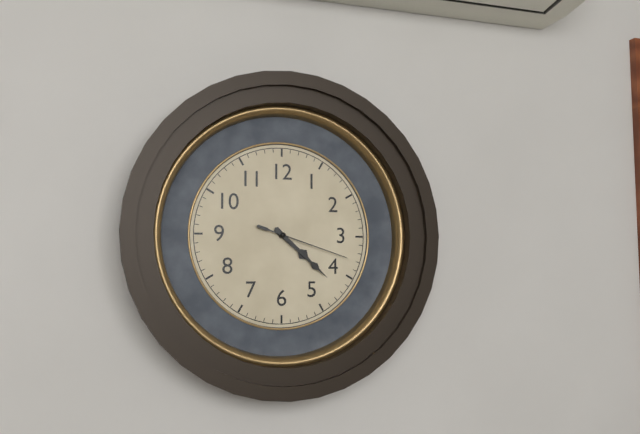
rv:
4.22.18
